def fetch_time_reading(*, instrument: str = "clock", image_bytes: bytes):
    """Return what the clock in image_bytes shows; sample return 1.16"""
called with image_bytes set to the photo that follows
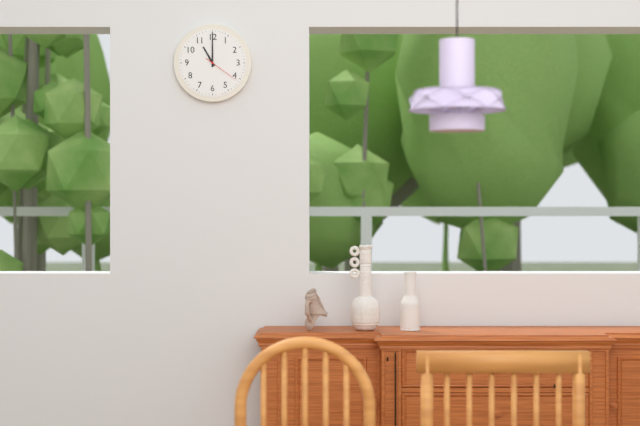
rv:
11.00
